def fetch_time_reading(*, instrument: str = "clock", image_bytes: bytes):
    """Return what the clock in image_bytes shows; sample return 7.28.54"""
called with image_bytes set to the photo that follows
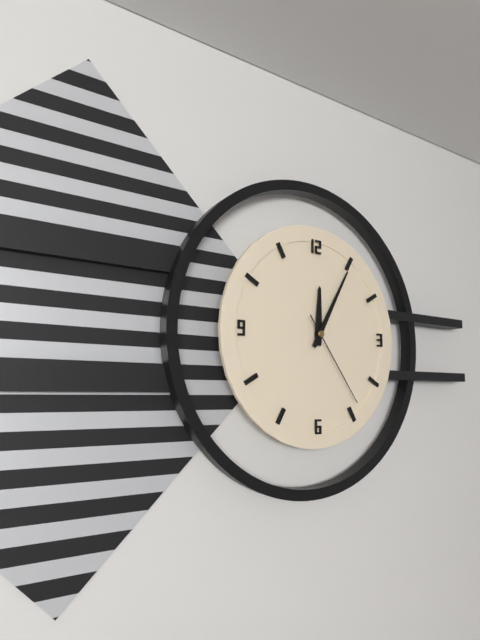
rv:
12.05.24
